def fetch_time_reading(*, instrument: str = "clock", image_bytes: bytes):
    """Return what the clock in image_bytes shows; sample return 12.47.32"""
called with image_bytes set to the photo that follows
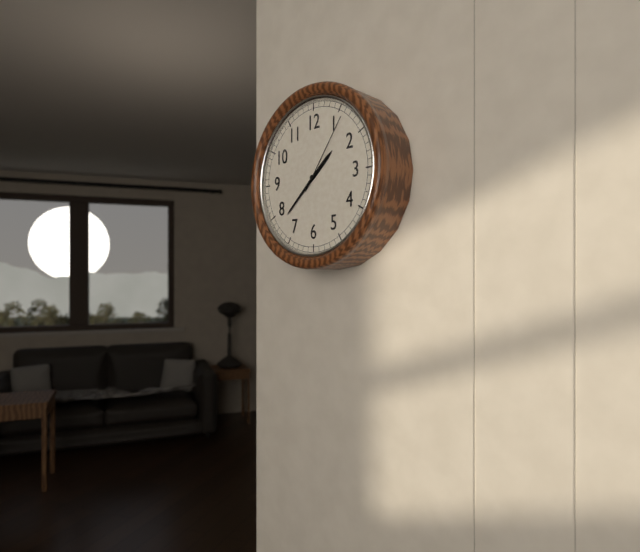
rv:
1.38.06
